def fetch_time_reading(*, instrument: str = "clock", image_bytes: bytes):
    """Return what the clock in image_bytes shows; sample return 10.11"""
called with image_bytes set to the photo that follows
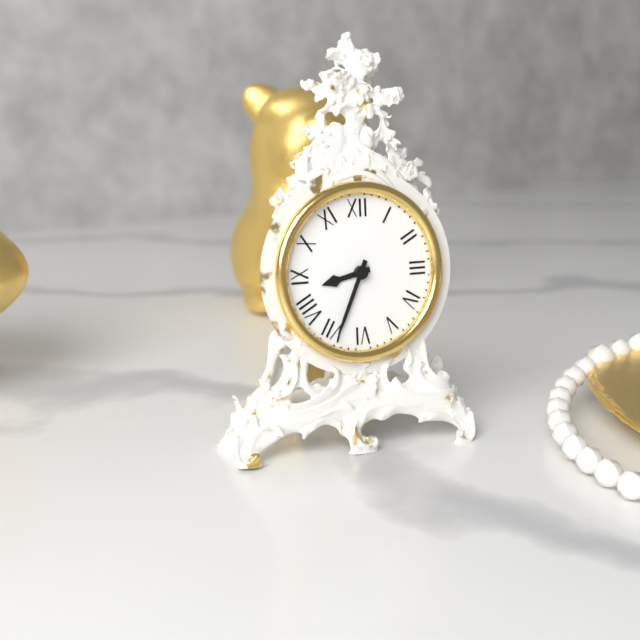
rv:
8.34
